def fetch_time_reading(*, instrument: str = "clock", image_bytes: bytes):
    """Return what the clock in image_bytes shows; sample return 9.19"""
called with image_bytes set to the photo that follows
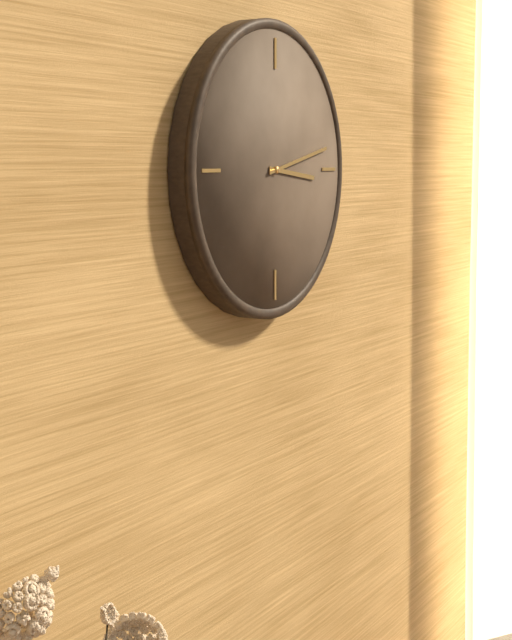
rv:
3.13
